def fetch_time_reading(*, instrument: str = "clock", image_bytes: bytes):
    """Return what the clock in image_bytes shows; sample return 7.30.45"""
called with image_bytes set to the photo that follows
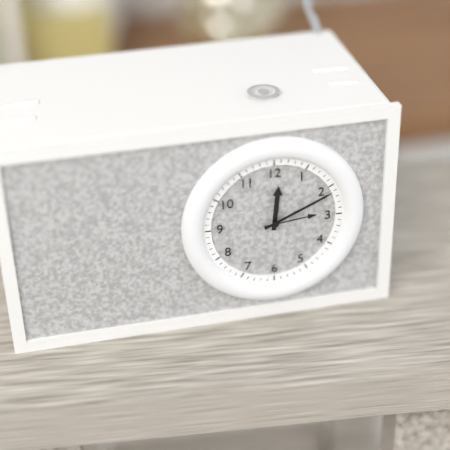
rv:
12.11.14
